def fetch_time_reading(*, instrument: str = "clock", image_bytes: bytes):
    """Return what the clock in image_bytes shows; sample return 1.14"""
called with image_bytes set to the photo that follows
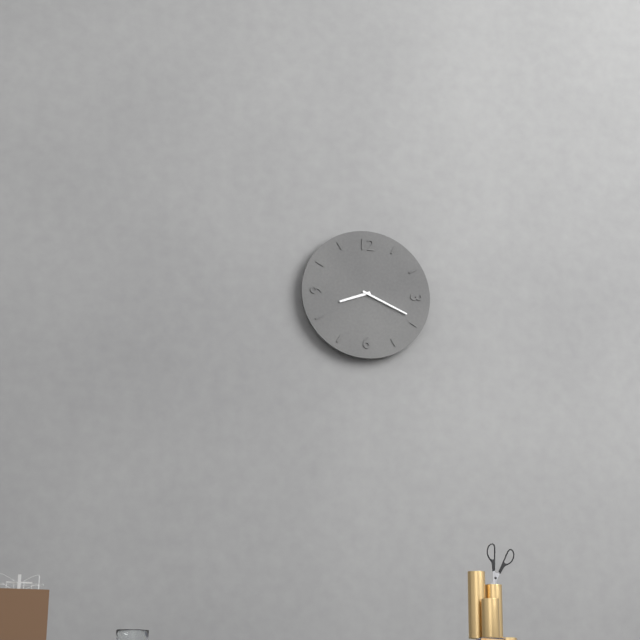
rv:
8.19
